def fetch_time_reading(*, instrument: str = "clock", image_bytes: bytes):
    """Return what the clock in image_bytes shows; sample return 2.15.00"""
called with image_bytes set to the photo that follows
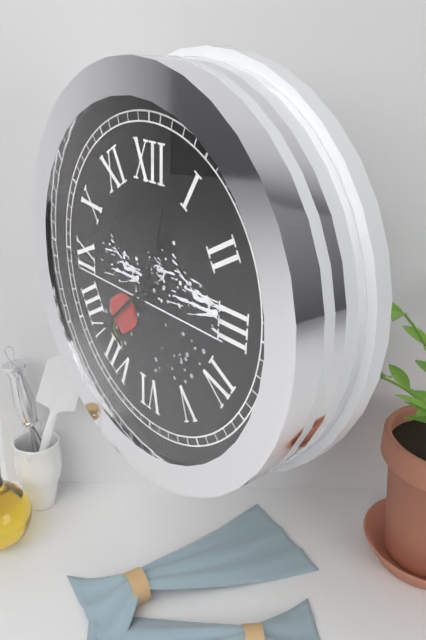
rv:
12.38.45
